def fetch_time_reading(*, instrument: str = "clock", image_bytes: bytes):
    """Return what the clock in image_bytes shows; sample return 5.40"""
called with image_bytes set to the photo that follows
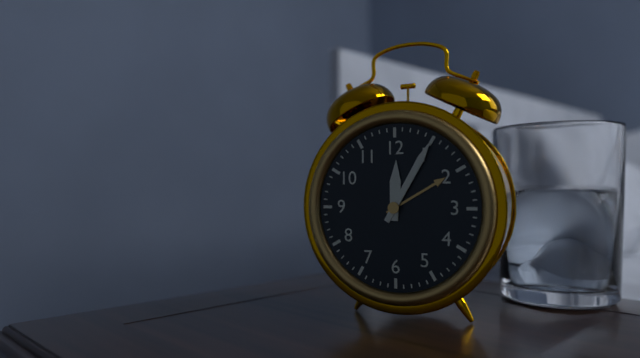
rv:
12.05
